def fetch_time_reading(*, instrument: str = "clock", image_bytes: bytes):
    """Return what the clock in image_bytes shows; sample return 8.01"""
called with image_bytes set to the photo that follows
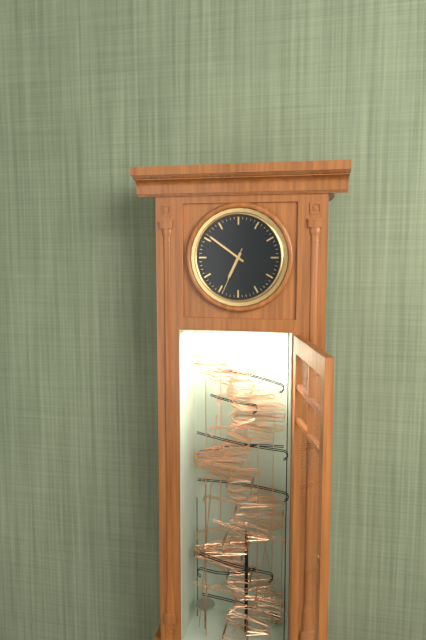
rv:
6.51
